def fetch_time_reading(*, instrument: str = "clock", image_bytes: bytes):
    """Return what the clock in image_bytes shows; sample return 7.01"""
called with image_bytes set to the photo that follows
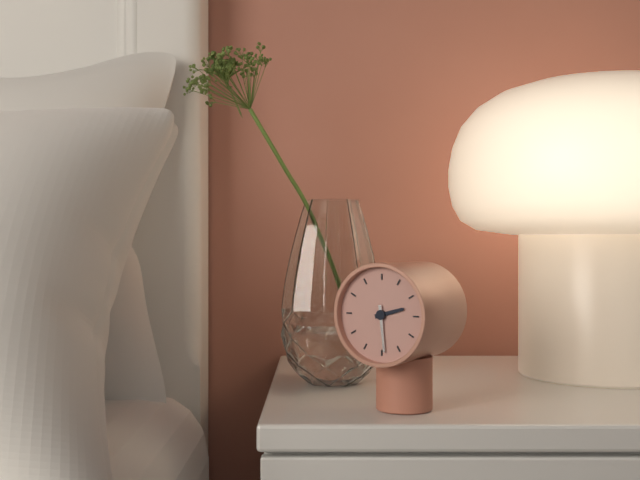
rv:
2.29
